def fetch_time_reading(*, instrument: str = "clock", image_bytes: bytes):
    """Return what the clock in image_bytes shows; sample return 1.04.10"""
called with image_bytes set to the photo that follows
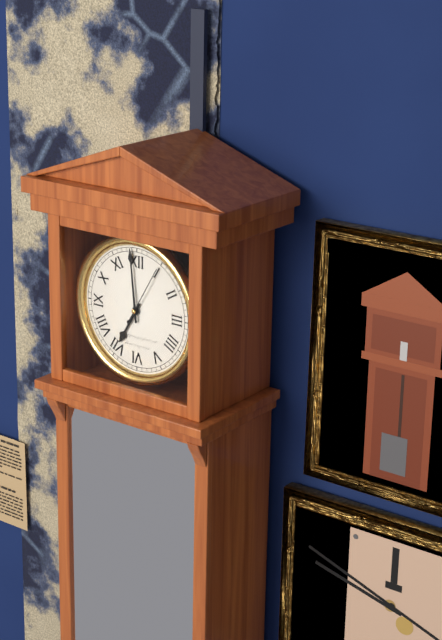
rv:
6.59.05
